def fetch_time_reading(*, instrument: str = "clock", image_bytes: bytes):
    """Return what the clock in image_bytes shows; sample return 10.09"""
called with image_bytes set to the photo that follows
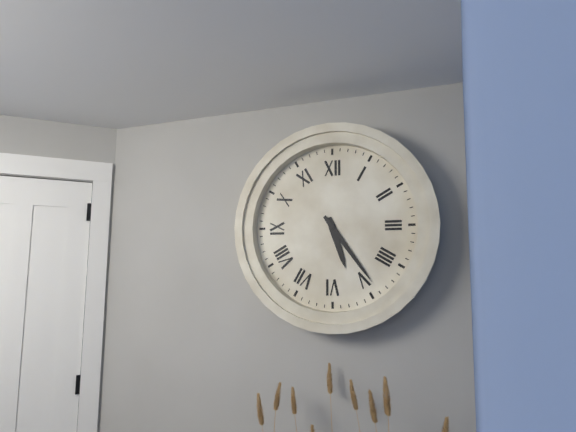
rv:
5.24
